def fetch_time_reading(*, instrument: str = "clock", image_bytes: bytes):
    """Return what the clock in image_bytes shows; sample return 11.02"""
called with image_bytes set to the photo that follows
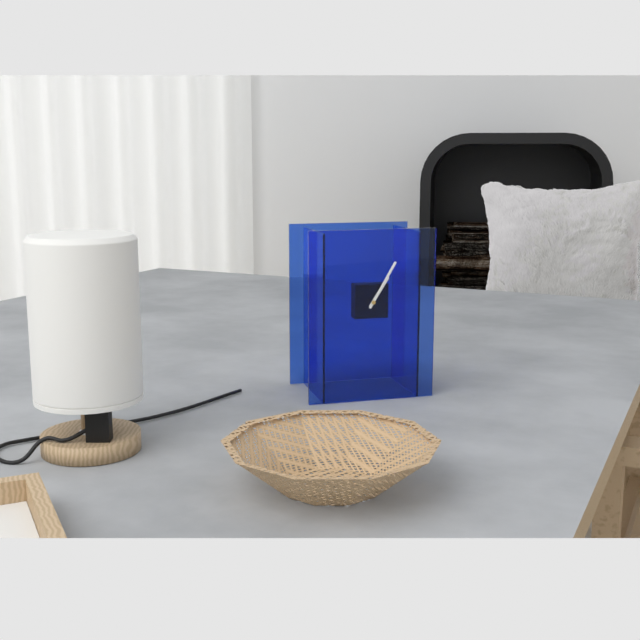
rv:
1.05
